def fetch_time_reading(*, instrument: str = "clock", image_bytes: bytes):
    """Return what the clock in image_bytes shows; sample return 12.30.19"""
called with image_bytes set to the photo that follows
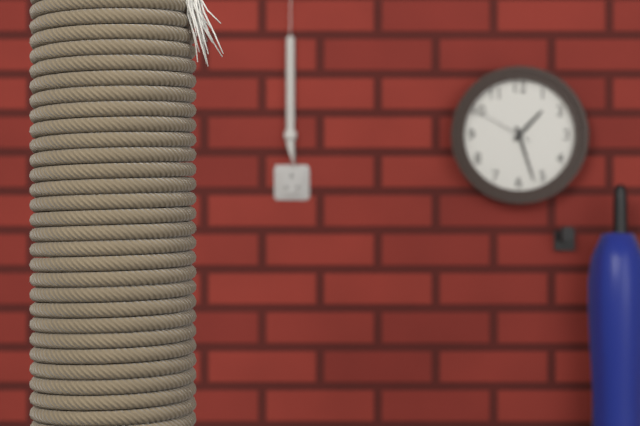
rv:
1.27.50
